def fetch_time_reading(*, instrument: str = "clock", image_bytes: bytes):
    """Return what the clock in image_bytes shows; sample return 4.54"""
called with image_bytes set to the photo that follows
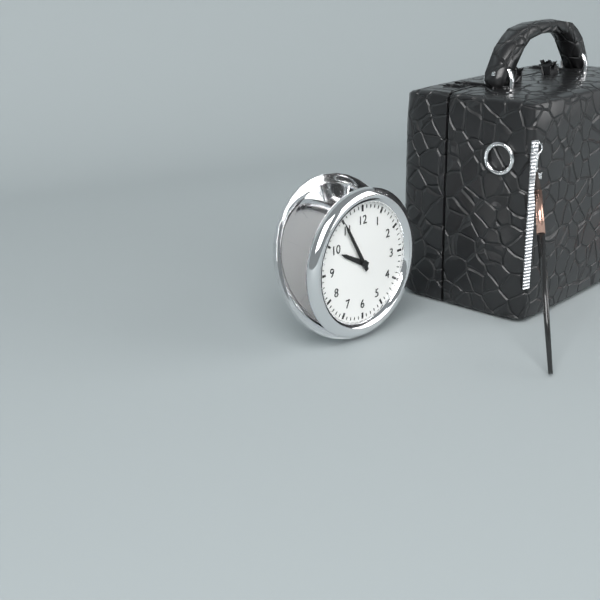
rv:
9.55
